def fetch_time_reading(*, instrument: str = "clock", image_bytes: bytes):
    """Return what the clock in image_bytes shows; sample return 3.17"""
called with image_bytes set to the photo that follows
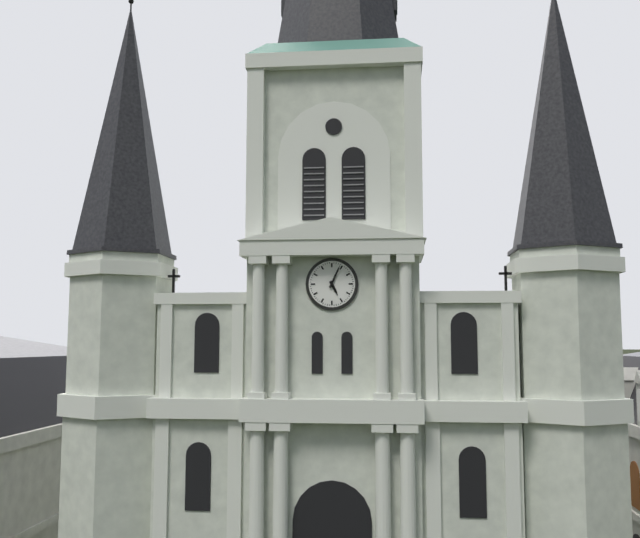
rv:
5.04
